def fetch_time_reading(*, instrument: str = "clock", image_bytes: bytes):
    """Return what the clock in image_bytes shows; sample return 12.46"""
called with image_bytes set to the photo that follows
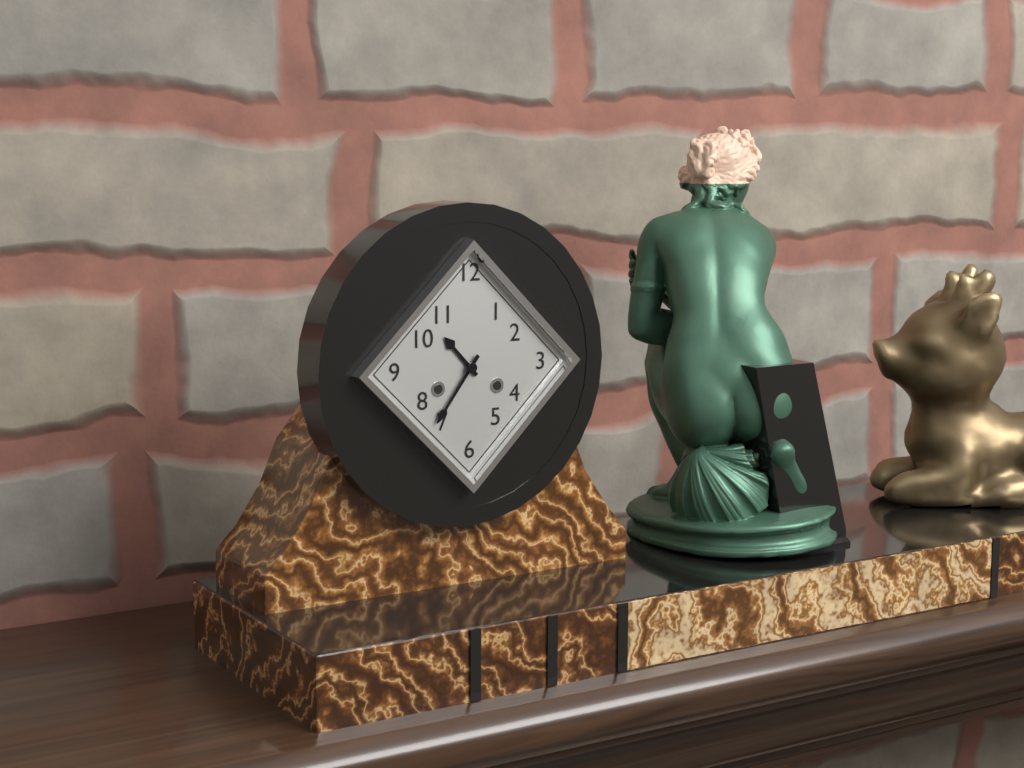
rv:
10.36
